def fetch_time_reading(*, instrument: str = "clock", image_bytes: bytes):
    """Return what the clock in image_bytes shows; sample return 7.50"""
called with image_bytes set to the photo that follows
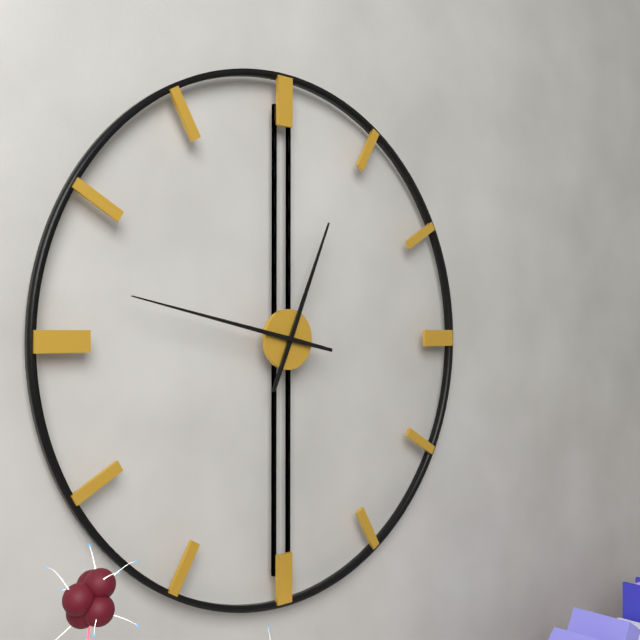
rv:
12.47
